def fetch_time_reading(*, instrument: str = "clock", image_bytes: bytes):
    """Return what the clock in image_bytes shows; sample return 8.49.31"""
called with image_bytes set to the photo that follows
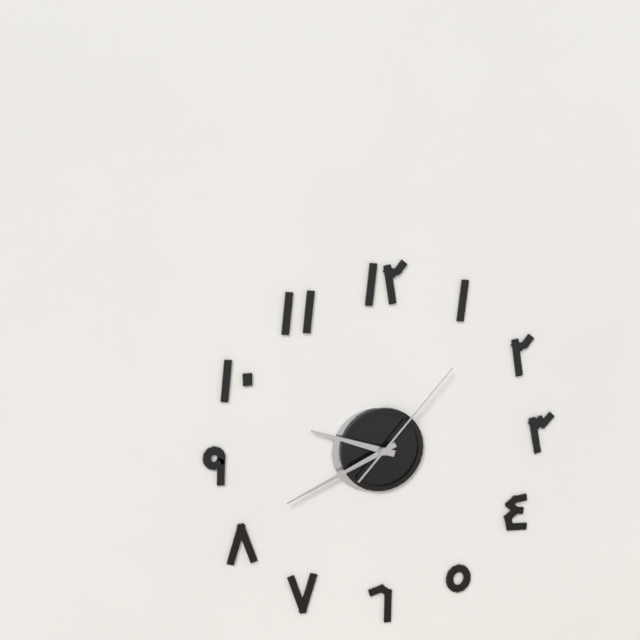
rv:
9.41.07
